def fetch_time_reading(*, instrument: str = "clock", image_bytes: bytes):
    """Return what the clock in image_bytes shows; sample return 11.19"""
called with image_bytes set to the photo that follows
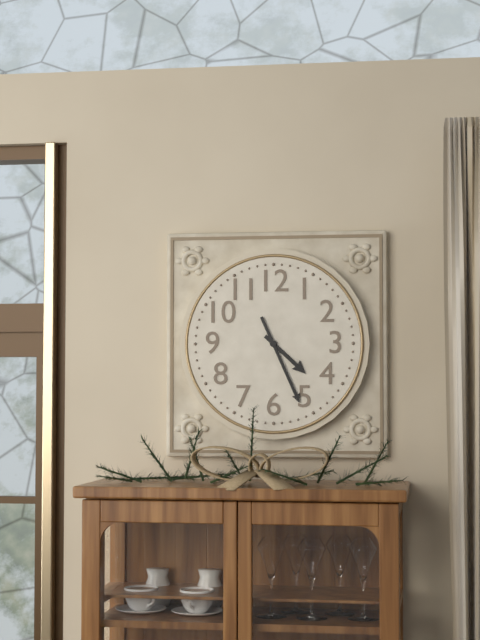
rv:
4.26
